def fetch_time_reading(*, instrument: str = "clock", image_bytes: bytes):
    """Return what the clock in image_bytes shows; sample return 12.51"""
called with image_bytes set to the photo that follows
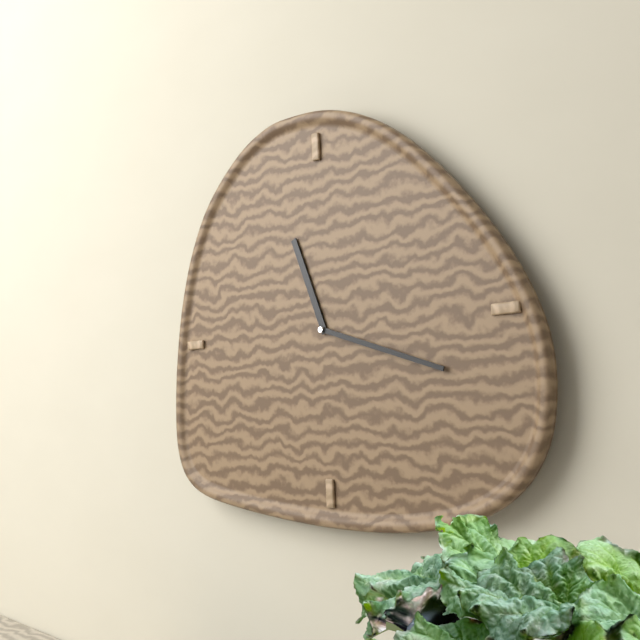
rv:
11.18
